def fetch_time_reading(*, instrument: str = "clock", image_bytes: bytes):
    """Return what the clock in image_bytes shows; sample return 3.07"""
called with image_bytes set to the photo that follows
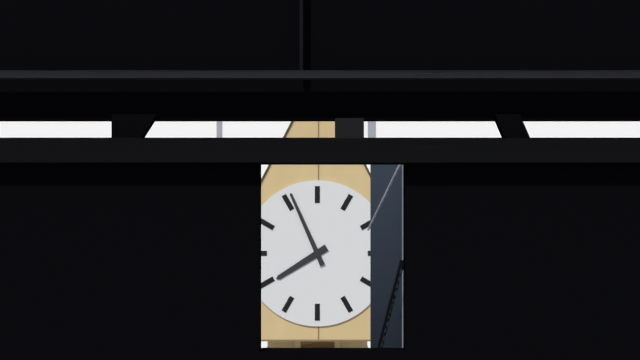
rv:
7.56
